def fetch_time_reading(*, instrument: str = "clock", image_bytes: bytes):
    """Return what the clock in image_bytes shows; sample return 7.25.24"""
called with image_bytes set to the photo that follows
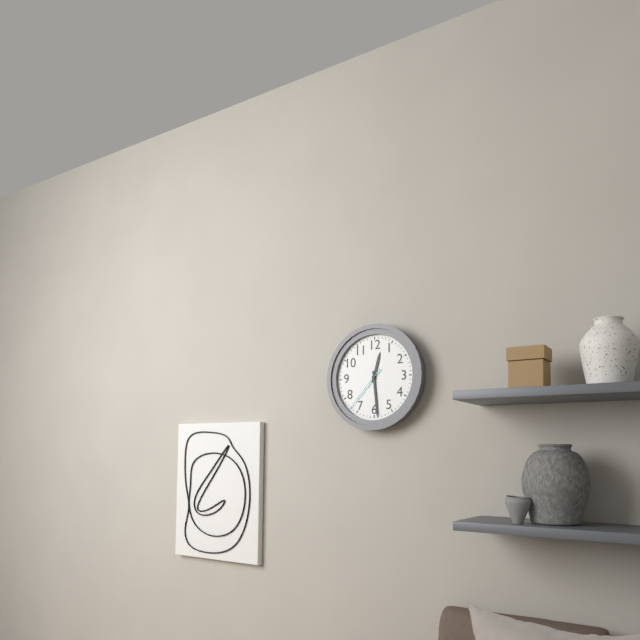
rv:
12.29.37
